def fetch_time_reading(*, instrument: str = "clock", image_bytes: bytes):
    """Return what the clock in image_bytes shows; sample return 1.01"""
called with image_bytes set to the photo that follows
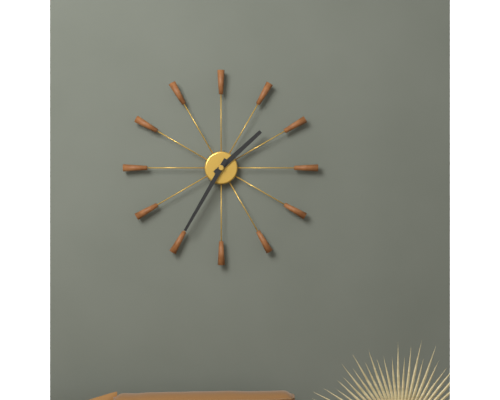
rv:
1.35
